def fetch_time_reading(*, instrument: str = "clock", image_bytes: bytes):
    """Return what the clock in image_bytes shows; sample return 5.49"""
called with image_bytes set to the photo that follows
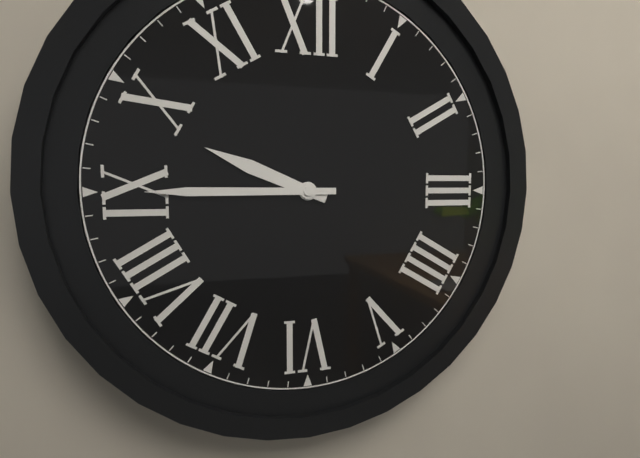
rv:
9.45
